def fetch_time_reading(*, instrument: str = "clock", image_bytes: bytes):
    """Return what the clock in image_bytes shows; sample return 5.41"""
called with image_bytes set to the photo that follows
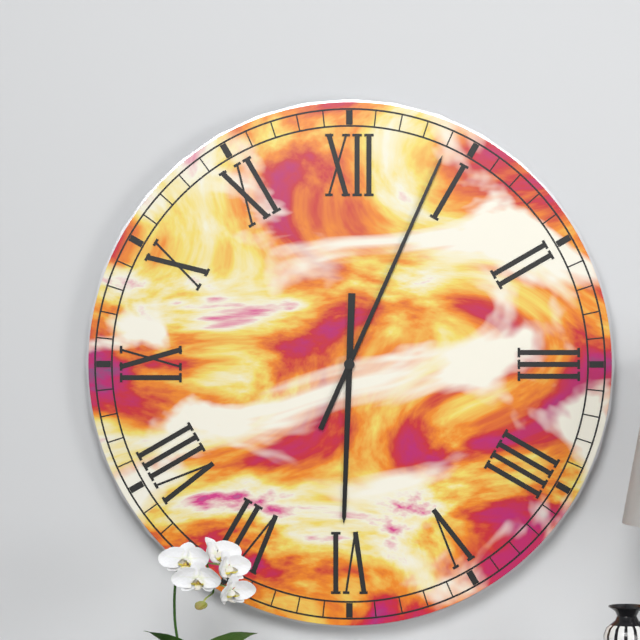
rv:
6.04
